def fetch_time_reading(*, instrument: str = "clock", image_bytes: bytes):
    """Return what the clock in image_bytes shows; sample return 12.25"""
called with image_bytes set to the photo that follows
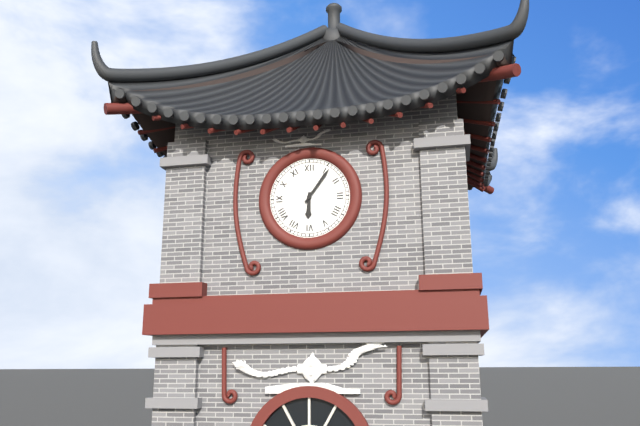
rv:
6.06
